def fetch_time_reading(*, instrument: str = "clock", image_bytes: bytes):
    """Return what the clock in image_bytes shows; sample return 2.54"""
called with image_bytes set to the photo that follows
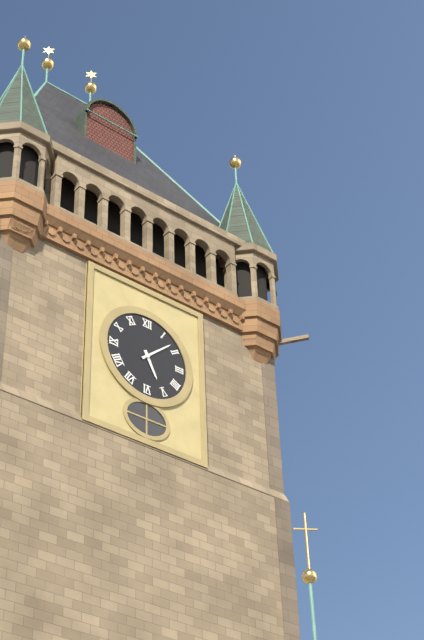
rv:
5.08
